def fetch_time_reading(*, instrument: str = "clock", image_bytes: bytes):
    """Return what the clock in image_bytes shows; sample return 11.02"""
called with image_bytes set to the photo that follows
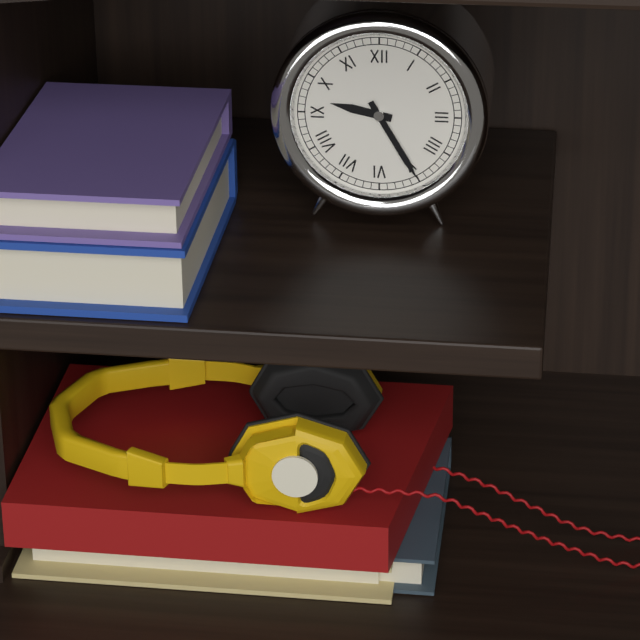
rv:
9.25
